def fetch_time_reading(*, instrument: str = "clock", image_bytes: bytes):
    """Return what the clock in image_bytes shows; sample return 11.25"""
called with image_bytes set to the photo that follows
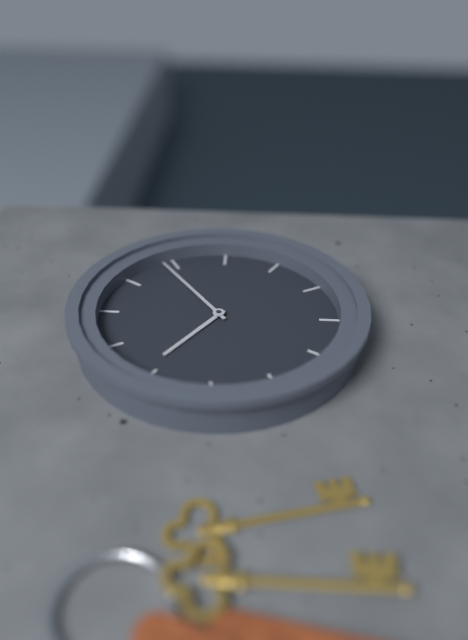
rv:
10.09
